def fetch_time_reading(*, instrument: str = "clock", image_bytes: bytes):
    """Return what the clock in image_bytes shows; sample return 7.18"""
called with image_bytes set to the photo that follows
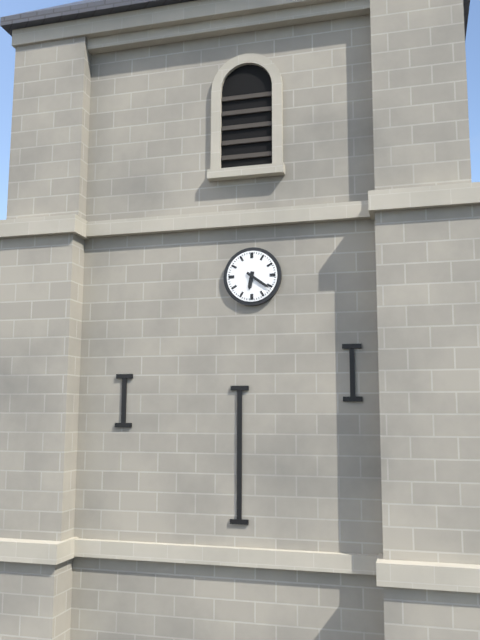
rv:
6.21
